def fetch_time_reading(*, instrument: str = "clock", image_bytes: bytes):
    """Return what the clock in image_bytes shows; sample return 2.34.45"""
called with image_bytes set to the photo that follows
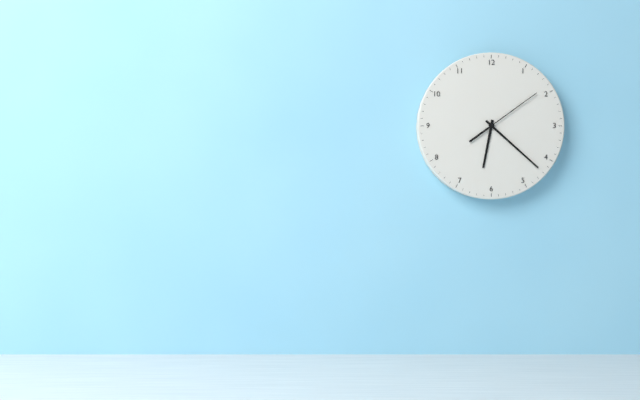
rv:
6.22.09
